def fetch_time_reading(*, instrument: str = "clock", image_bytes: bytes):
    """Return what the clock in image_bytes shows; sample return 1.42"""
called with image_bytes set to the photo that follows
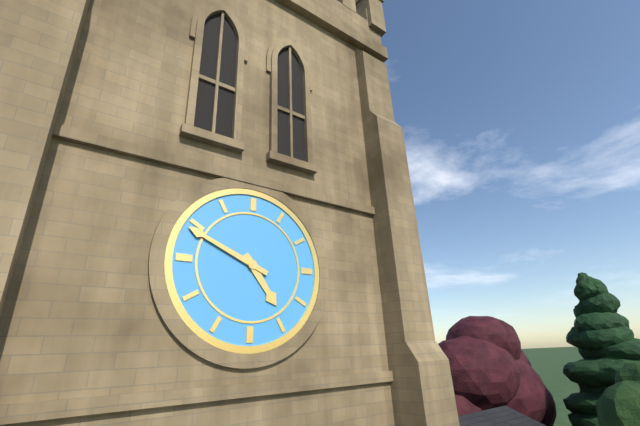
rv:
4.49
